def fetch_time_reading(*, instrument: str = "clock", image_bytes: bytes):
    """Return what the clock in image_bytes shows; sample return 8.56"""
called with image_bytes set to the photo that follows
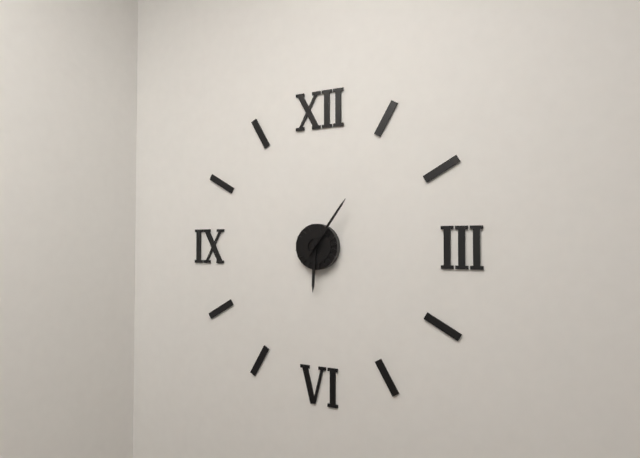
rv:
6.06
